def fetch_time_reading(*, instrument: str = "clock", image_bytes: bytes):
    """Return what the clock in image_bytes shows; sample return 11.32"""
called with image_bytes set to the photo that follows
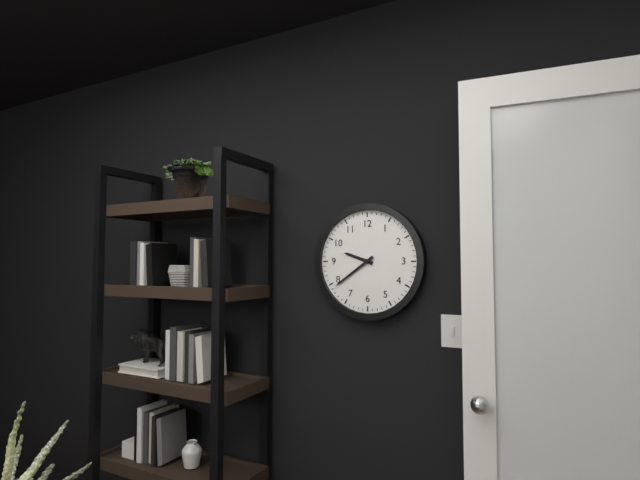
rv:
9.39
